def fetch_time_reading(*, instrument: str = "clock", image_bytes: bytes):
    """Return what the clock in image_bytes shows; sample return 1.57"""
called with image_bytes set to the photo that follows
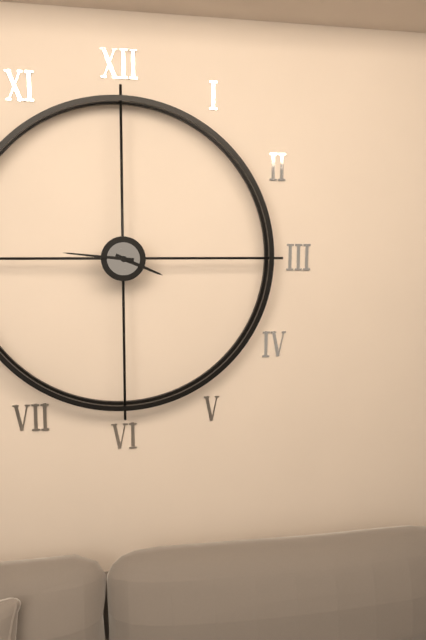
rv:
3.46
